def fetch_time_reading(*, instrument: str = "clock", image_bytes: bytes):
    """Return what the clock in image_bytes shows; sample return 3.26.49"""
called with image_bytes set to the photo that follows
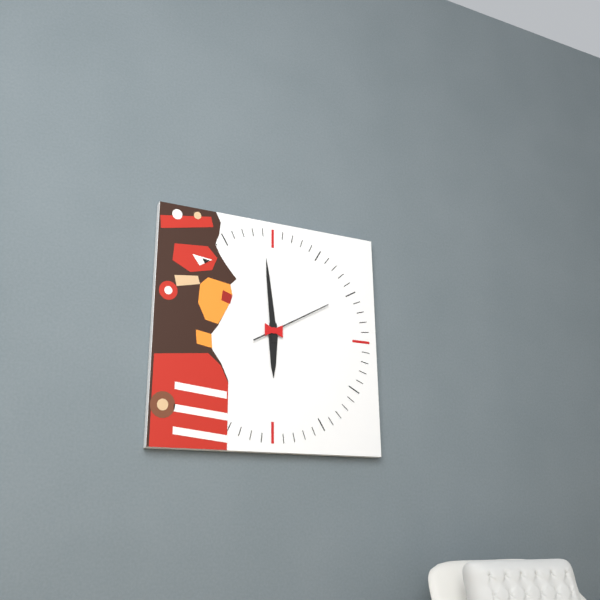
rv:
5.59.10
